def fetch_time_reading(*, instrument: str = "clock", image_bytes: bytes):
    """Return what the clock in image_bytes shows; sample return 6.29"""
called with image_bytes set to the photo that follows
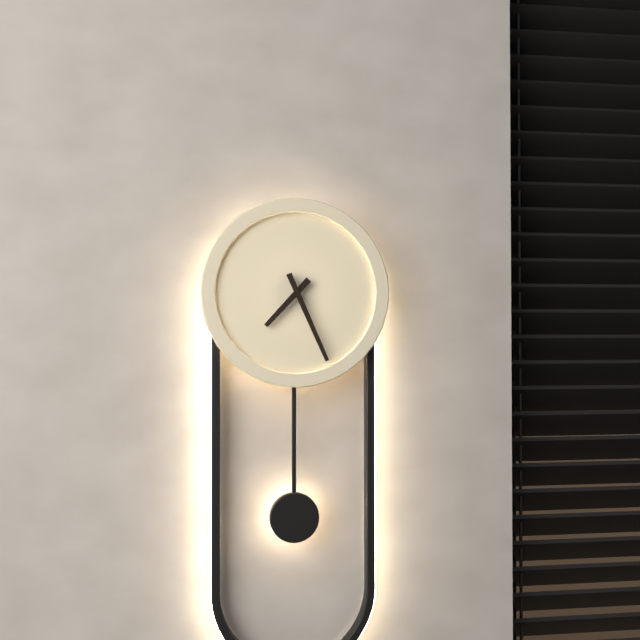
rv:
7.26
